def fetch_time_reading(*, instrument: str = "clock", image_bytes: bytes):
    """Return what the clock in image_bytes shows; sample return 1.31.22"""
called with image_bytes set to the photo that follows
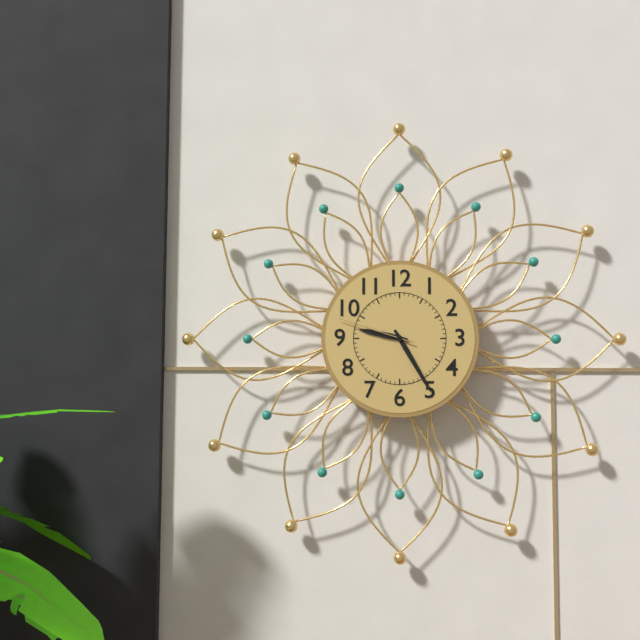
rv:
9.25.48
